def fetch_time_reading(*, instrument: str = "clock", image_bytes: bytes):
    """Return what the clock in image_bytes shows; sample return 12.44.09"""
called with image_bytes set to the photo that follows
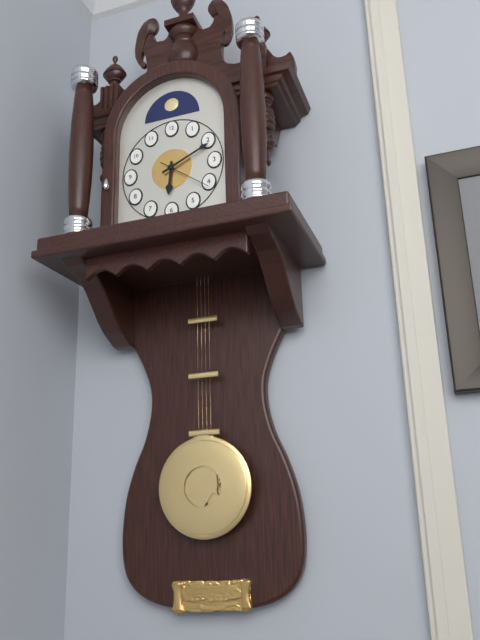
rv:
6.11.21
